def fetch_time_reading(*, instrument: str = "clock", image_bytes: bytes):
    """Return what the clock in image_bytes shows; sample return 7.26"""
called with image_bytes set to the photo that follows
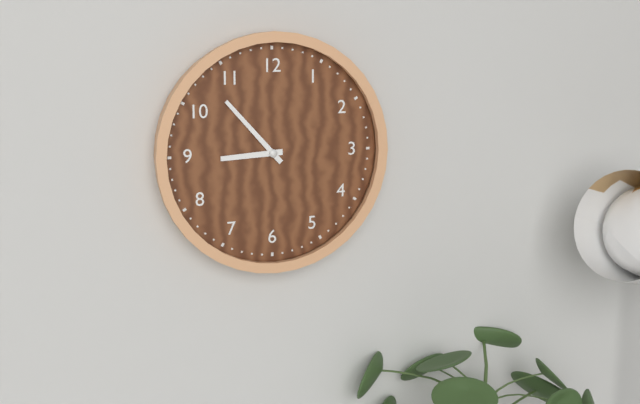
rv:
8.53
